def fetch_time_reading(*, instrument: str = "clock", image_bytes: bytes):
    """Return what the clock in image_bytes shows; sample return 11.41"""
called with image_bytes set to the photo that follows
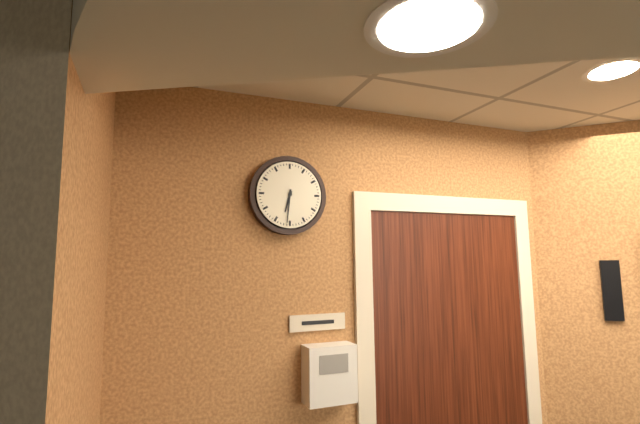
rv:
6.31
